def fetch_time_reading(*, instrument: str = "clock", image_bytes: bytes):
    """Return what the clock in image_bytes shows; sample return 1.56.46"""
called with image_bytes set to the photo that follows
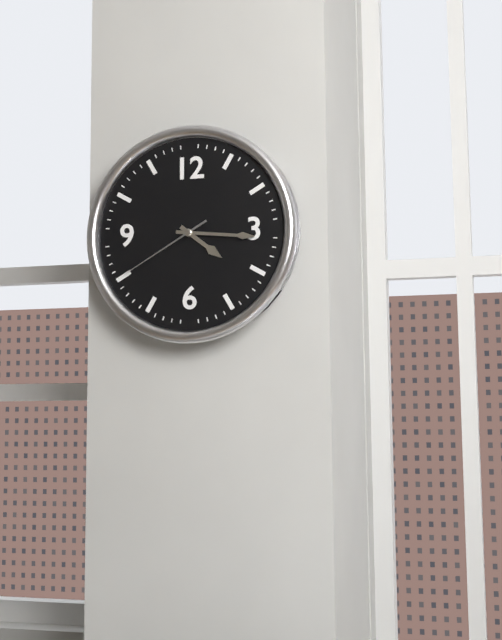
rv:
4.16.40
